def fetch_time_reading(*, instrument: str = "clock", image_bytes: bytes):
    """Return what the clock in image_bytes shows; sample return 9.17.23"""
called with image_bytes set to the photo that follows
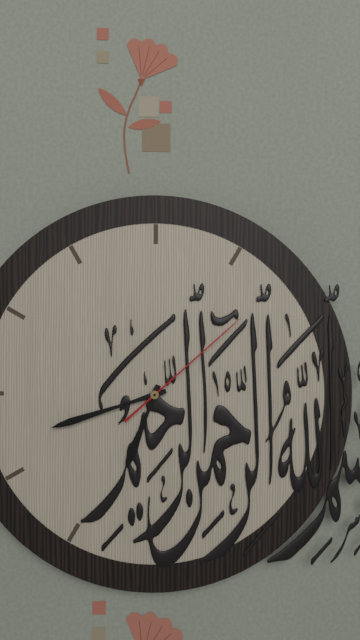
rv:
6.42.08
